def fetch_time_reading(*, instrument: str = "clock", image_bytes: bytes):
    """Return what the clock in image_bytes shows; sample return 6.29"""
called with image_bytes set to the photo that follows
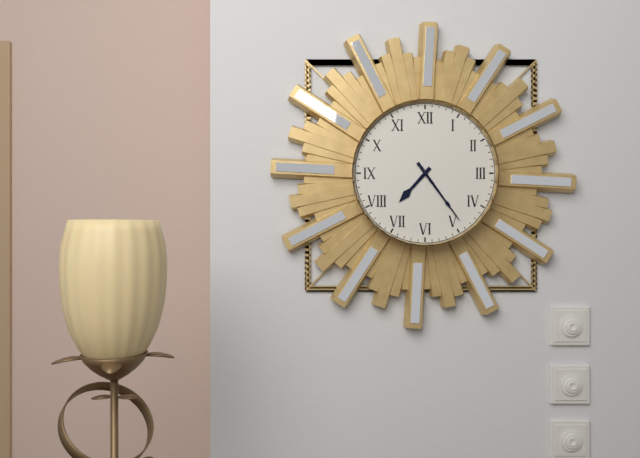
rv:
7.24
